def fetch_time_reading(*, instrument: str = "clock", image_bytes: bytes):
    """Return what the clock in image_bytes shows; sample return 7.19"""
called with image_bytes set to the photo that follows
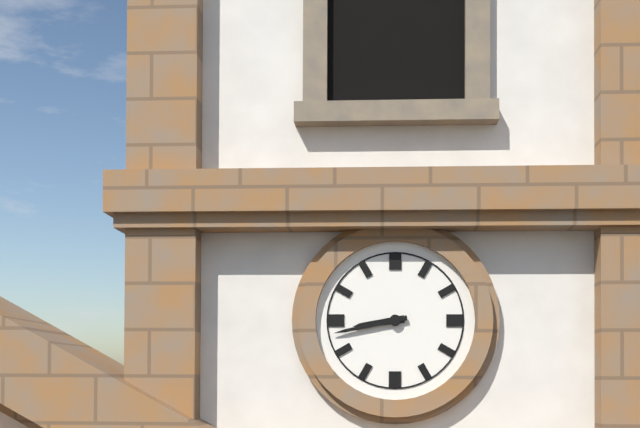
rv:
8.43
